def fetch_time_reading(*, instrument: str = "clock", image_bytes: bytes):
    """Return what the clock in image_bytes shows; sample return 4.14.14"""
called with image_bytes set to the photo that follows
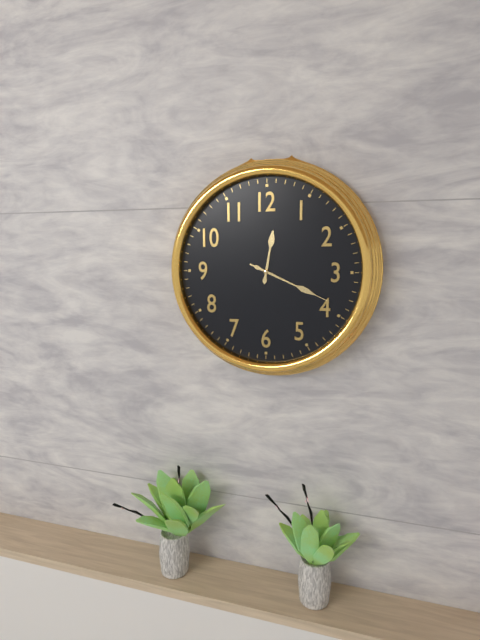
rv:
12.19.19
